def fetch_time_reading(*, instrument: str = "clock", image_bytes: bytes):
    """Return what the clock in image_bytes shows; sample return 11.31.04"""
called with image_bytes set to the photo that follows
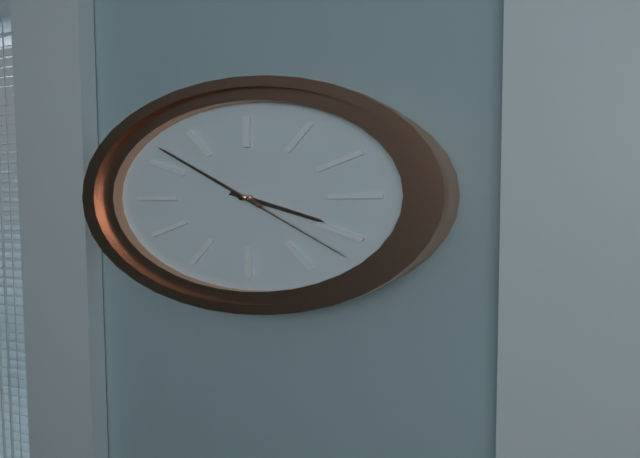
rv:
3.52.22
